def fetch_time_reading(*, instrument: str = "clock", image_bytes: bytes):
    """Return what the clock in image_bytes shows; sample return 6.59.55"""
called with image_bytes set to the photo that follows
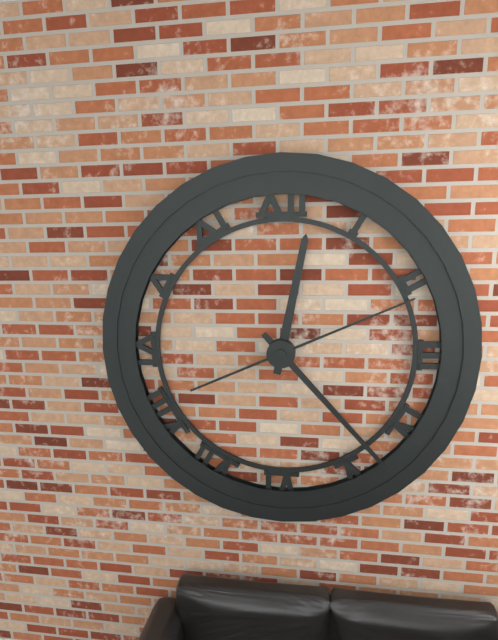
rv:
12.23.11
